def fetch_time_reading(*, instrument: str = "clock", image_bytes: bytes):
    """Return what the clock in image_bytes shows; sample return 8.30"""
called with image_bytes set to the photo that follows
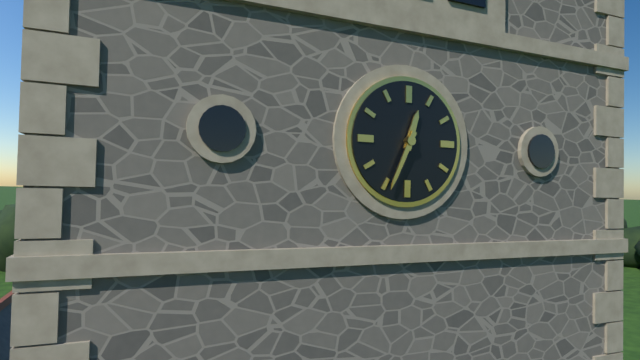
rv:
12.34
